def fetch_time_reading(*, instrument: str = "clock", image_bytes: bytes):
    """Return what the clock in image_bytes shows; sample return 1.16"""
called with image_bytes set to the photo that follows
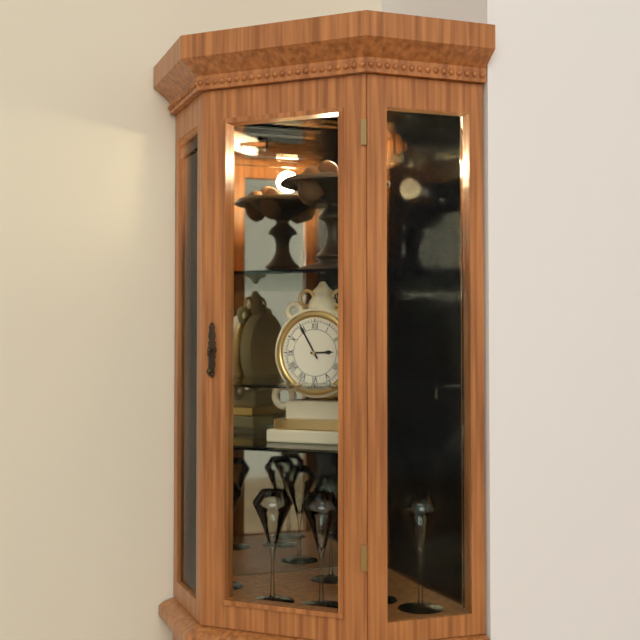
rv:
2.55
